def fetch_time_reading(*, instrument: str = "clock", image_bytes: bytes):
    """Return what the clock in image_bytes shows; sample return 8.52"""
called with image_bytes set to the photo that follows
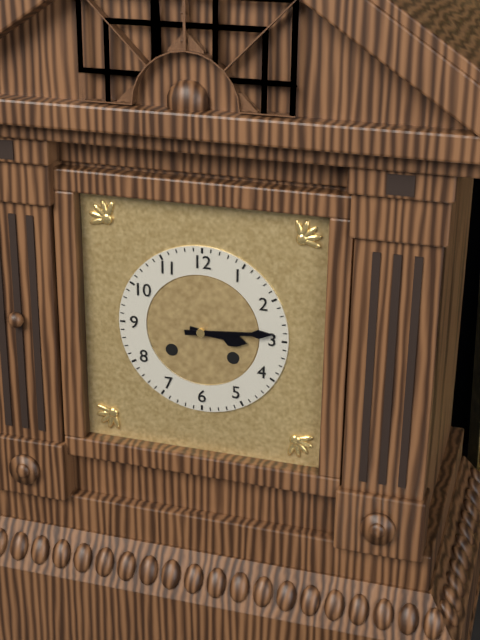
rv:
3.14
